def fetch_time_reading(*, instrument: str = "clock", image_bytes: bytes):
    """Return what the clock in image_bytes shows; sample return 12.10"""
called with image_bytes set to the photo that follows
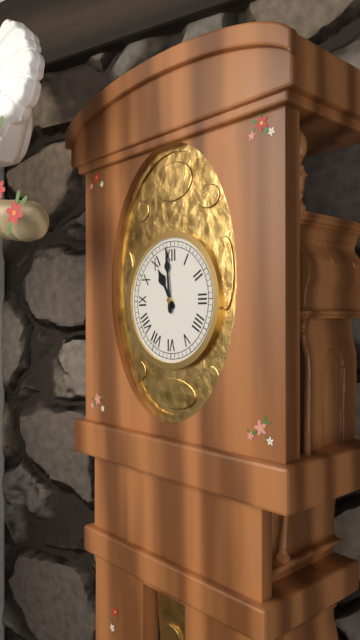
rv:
10.59
